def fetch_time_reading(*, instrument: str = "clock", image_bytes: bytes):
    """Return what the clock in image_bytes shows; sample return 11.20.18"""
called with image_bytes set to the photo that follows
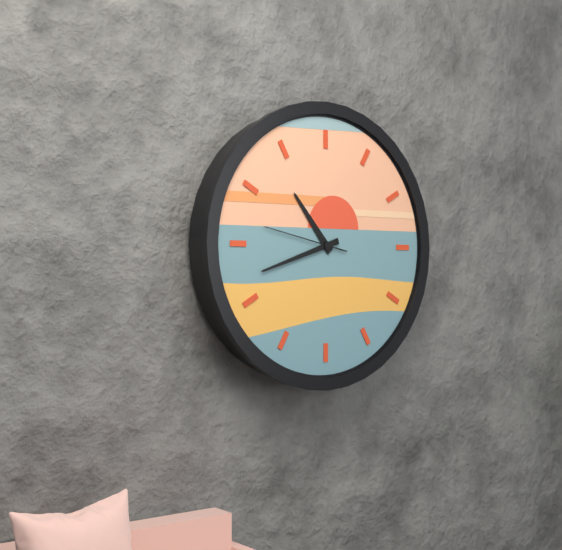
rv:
10.42.47
